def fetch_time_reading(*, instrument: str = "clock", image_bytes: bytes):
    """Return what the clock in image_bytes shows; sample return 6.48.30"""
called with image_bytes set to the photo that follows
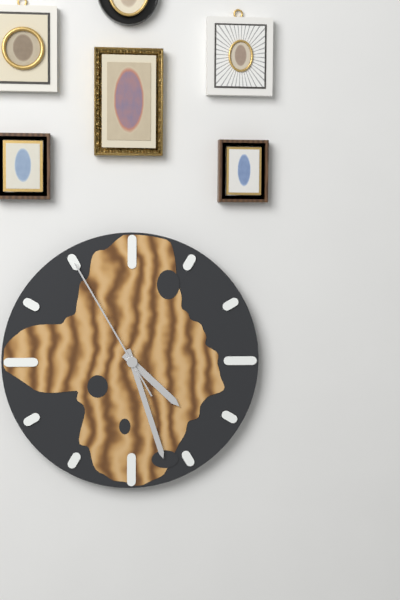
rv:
4.27.55
